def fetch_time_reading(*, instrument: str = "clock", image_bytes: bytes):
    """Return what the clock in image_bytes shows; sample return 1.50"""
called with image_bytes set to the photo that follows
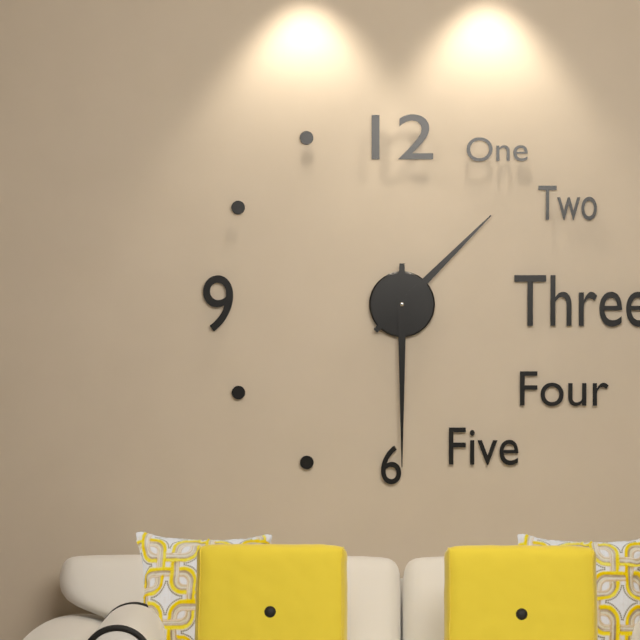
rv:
1.30
